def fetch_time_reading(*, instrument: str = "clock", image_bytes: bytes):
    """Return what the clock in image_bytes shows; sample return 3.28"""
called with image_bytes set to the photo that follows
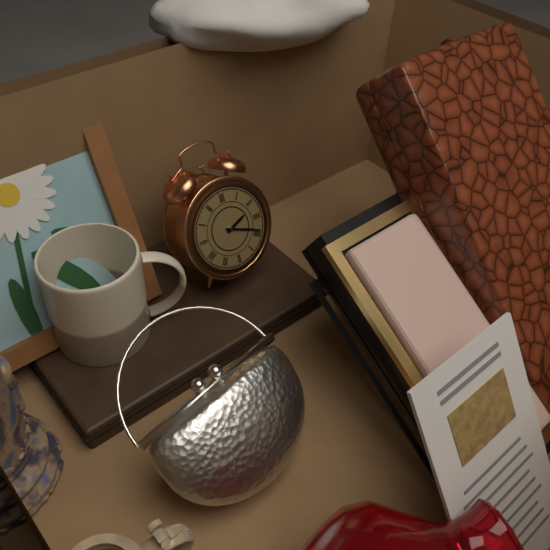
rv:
2.19
